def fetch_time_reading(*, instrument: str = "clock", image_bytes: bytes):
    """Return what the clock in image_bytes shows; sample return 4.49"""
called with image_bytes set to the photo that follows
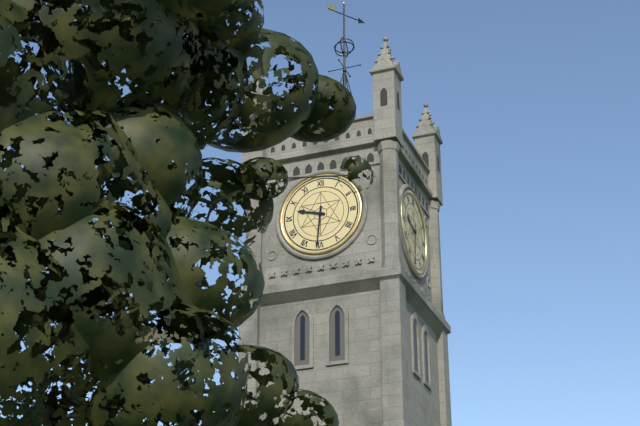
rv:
9.31
